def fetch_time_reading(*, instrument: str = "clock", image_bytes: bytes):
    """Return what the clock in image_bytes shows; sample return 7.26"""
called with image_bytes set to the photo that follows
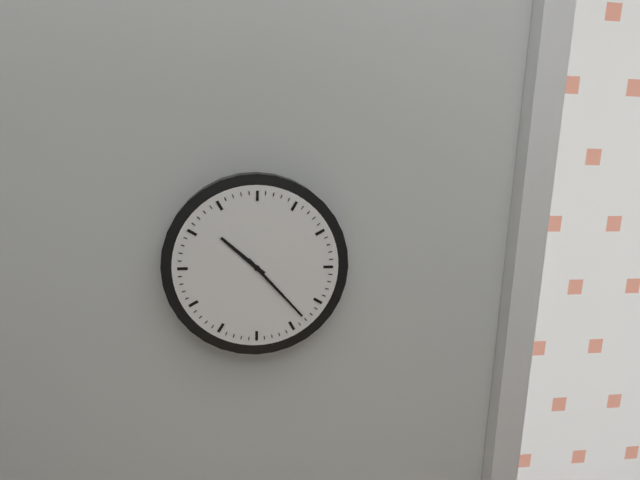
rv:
10.23
